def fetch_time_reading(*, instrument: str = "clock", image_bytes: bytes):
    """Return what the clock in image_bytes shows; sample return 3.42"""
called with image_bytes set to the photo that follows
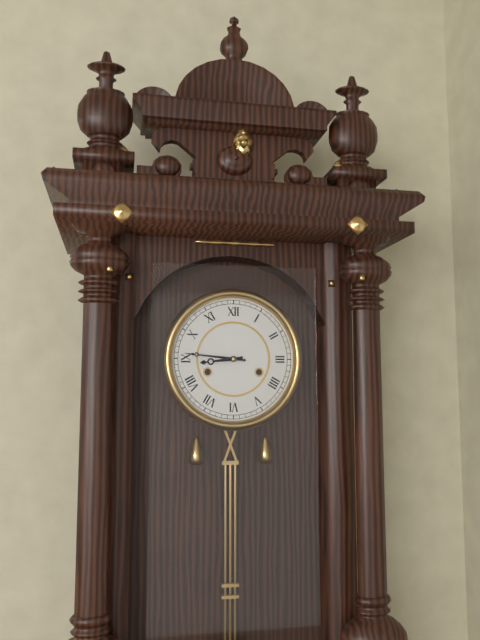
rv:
8.46
